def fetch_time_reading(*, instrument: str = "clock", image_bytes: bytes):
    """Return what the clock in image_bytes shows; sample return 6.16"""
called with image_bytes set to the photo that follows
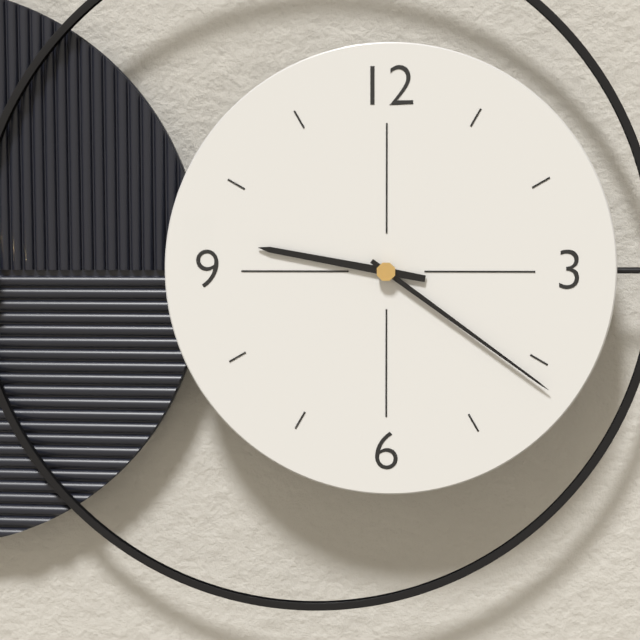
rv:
9.21
